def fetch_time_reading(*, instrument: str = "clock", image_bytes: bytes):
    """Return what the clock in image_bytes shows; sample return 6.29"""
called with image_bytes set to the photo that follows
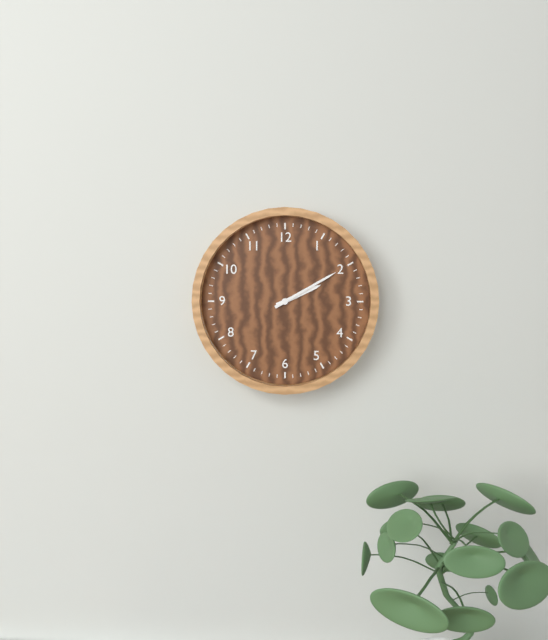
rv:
2.10
